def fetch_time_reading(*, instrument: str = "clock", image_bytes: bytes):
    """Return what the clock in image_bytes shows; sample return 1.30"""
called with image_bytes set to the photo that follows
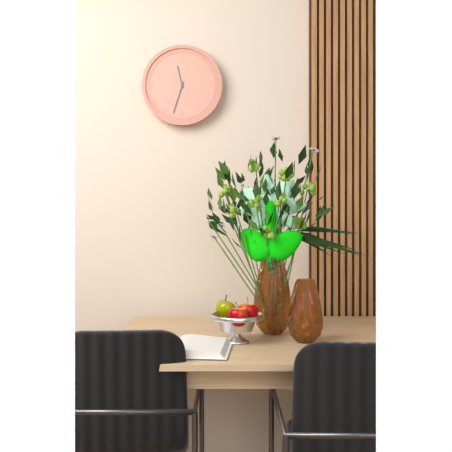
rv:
11.33
